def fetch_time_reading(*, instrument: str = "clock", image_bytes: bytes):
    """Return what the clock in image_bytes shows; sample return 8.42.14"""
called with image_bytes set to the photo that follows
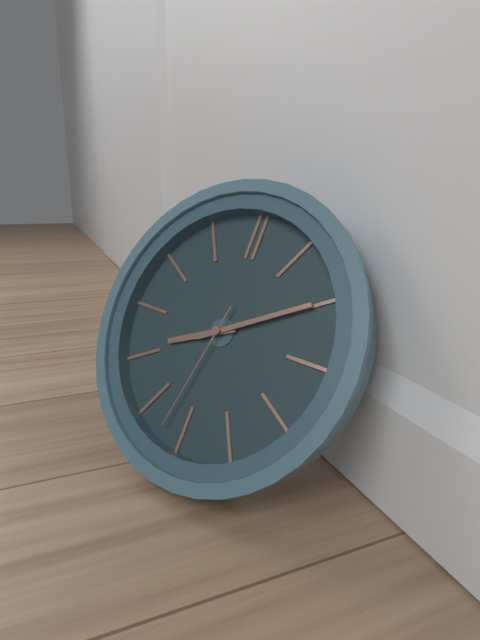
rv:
8.10.32
